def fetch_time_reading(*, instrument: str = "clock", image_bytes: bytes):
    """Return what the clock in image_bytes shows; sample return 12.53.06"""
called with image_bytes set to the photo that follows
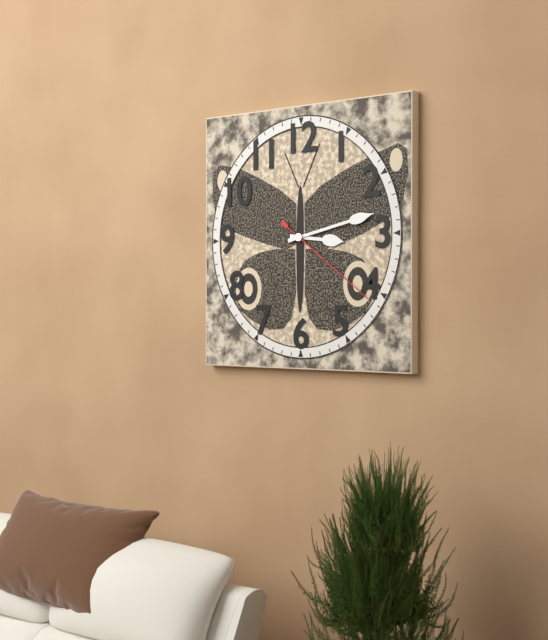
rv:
3.13.21
